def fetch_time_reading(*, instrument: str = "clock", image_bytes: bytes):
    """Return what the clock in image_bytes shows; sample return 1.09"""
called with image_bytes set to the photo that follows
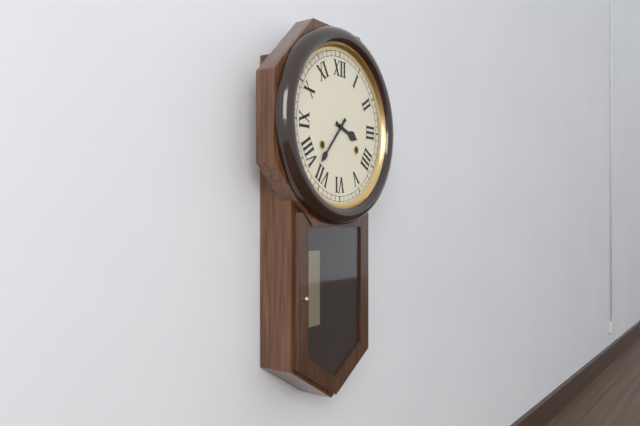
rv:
3.37
